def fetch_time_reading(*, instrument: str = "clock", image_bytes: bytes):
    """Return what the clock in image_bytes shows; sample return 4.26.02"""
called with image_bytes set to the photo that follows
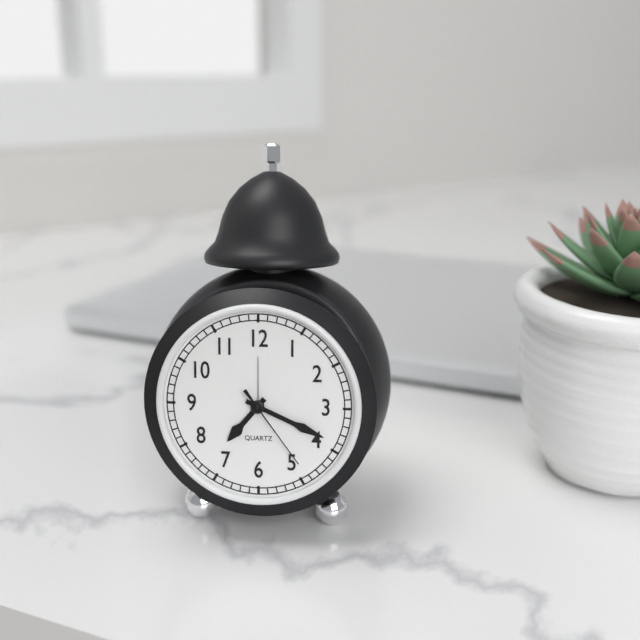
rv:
7.19.24
